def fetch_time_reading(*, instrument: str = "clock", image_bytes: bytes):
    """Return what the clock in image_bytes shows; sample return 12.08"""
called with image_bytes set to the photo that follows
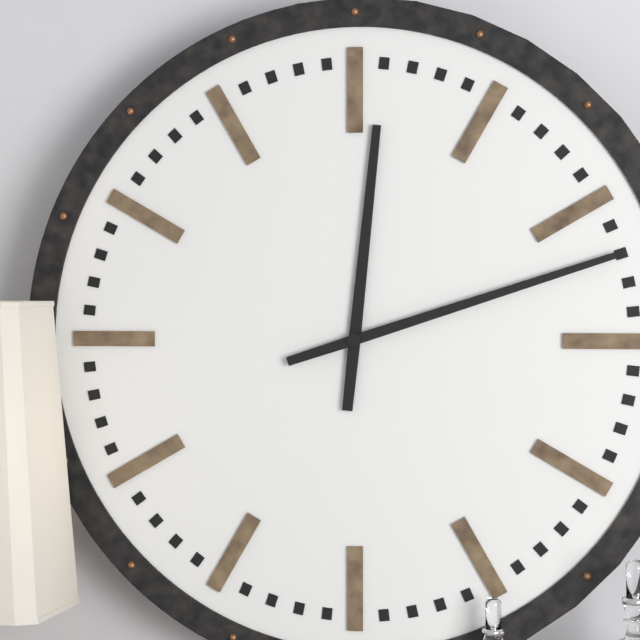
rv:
12.12
